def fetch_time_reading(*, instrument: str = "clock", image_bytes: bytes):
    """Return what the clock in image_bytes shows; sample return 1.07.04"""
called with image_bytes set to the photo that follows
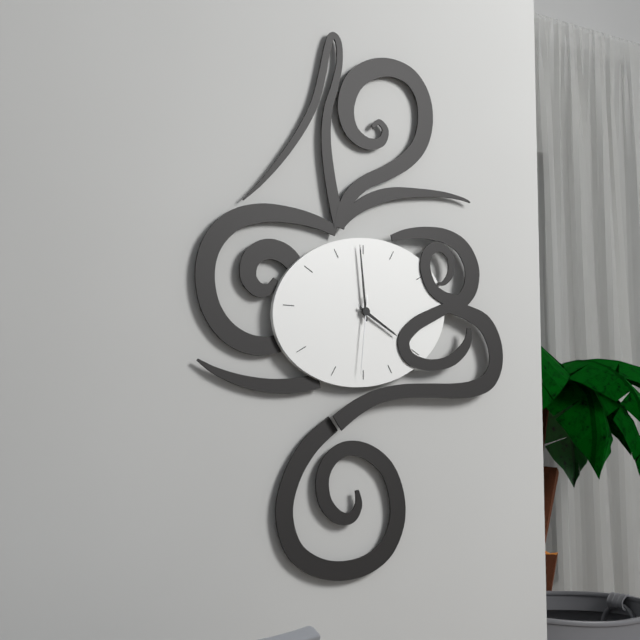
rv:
3.59.31
